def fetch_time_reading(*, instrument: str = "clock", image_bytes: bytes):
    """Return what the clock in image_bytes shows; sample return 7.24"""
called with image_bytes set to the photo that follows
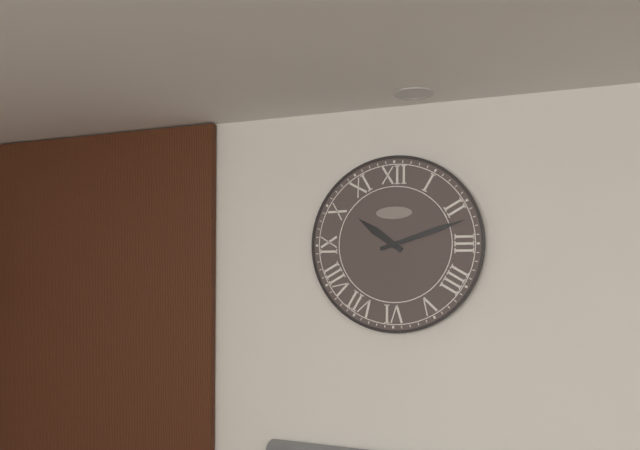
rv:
10.12
